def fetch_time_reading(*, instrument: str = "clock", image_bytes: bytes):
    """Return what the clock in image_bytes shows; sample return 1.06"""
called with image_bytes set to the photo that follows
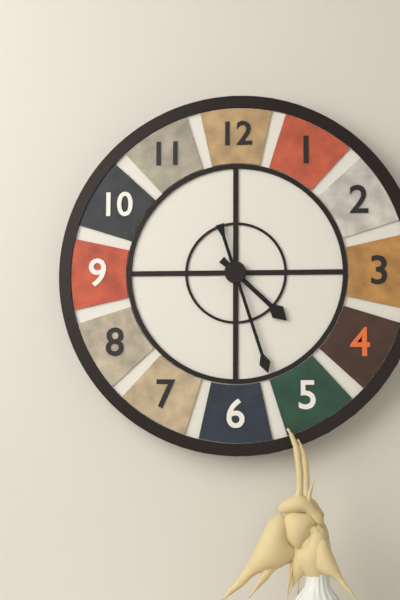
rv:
4.27
